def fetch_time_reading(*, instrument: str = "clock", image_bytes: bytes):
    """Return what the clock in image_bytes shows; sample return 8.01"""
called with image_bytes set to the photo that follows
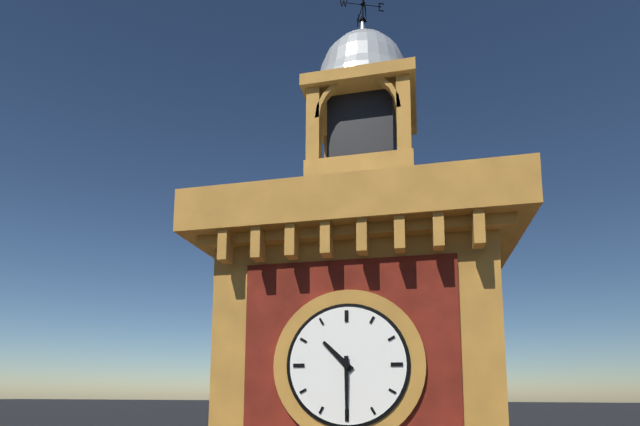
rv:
10.30
